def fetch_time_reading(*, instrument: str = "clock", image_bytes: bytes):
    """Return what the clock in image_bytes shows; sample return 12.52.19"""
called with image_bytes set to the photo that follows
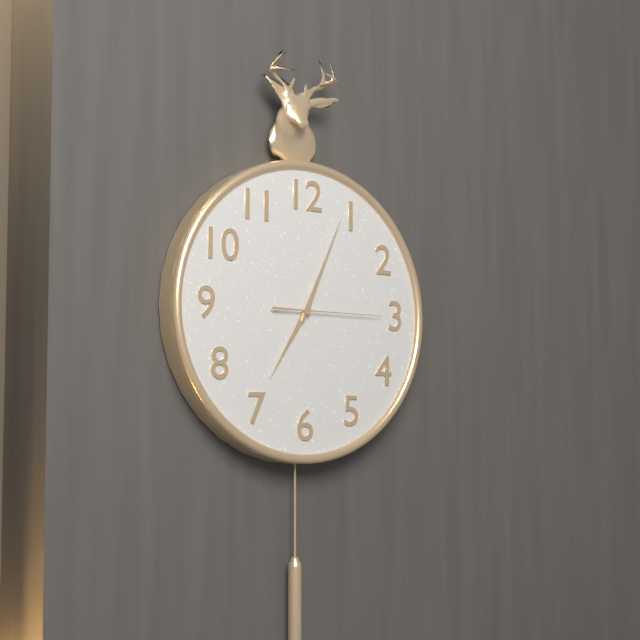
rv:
7.04.15
